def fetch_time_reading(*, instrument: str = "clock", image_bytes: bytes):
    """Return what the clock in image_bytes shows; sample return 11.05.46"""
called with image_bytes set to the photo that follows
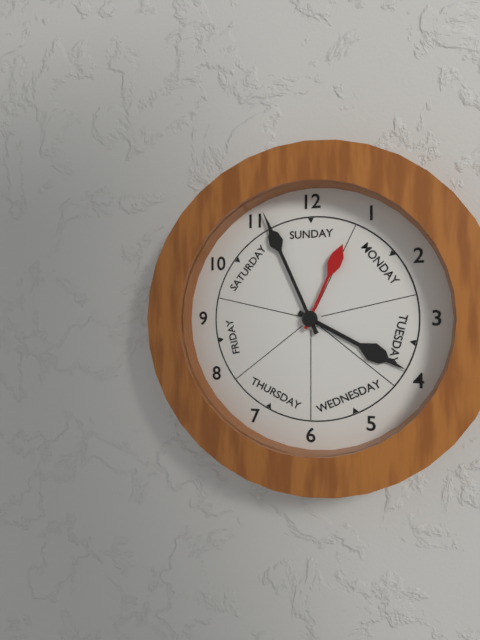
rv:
3.56.04
